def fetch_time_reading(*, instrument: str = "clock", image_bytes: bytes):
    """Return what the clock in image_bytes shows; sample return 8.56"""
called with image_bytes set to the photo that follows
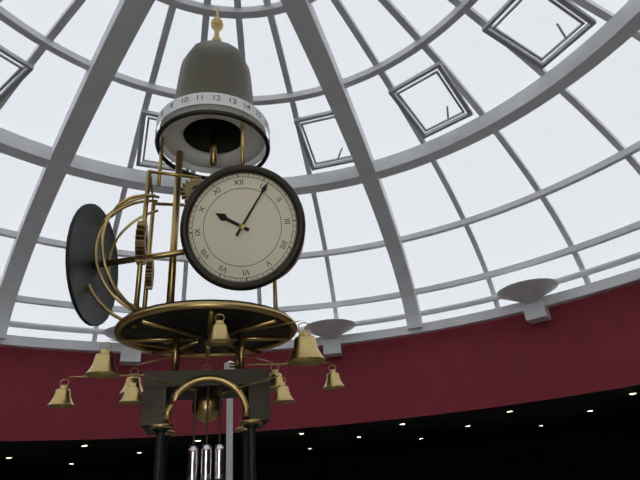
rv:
10.06
